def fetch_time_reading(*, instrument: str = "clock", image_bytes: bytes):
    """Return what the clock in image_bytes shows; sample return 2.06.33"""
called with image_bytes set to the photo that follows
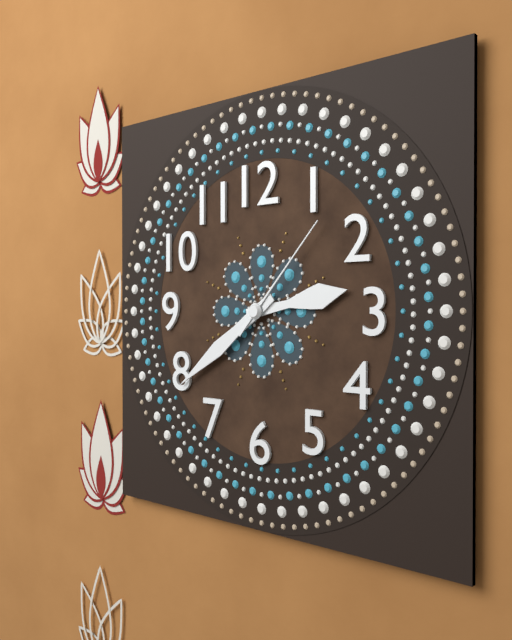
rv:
2.39.07
